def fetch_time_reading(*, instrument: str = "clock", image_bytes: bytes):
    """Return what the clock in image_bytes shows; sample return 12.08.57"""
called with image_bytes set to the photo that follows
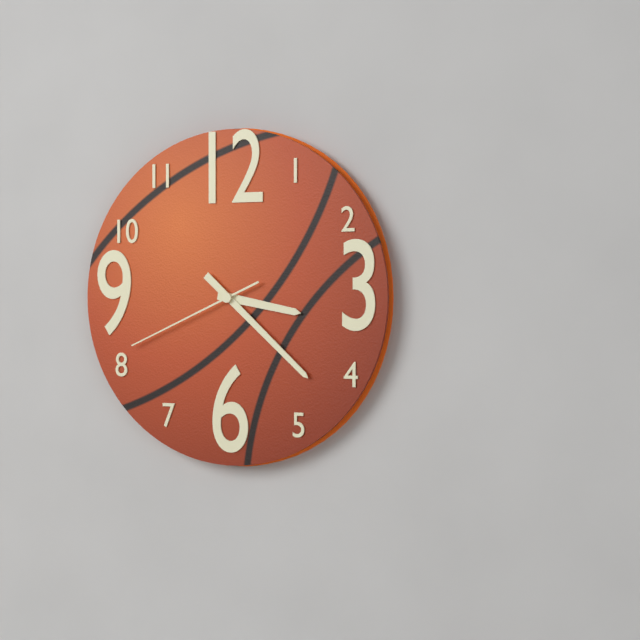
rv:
3.22.41
